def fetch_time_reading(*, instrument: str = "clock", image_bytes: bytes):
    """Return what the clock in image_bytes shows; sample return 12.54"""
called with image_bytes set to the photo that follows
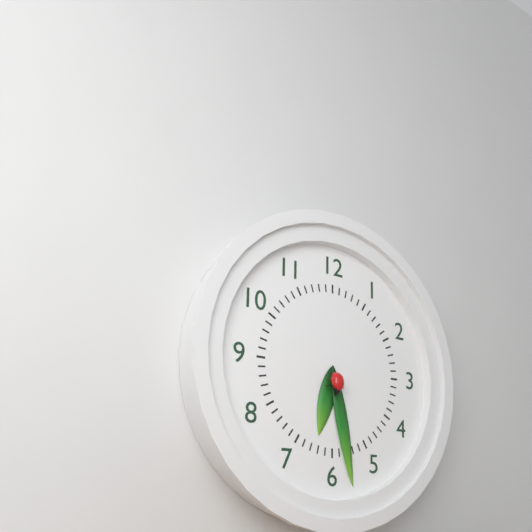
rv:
6.28
